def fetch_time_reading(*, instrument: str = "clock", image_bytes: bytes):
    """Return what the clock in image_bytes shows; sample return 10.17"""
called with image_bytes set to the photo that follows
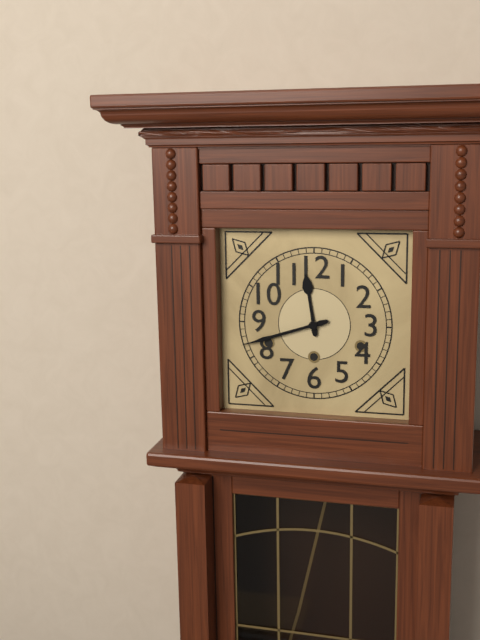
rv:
11.42
